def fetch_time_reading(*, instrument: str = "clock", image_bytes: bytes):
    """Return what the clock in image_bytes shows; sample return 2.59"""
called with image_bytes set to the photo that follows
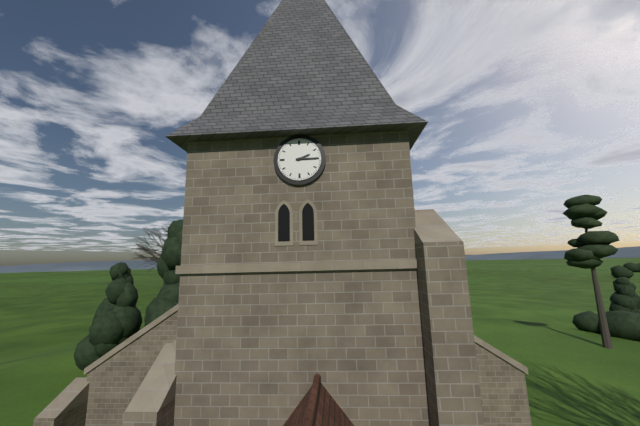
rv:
2.15
